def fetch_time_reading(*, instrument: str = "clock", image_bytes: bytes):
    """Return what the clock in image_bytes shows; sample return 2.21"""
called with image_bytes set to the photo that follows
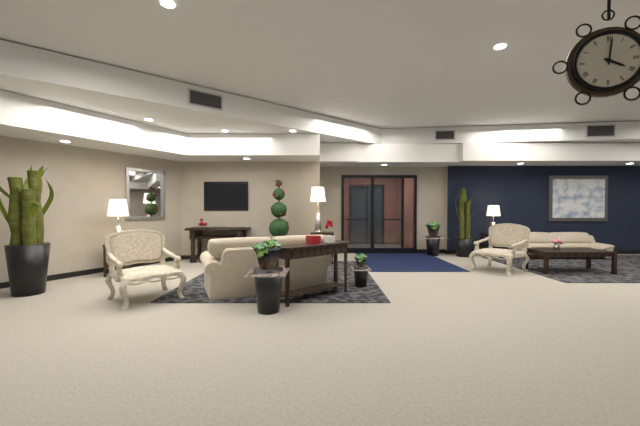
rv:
4.01
